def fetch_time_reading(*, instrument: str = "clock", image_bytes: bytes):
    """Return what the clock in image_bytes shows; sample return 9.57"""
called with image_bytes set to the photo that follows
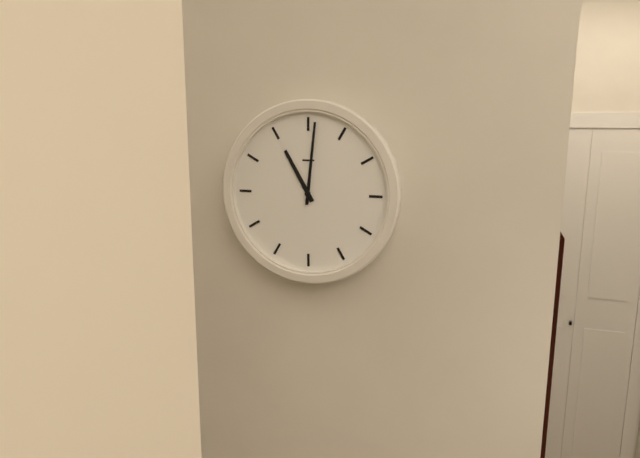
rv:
11.01
